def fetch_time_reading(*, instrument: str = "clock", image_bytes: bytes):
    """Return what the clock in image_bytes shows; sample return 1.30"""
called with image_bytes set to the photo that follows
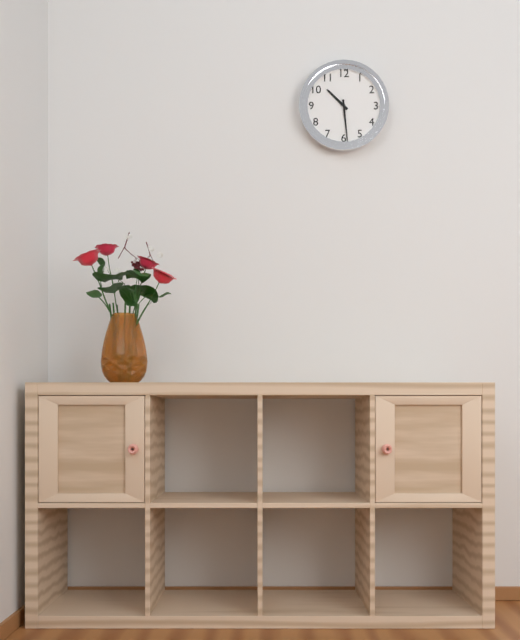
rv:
10.29
